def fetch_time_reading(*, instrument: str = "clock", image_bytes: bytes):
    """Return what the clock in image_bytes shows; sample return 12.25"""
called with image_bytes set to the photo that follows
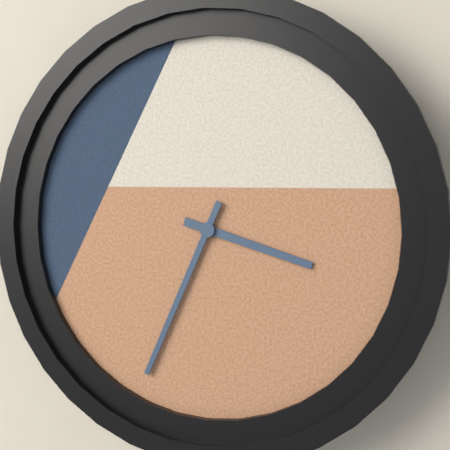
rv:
3.34
